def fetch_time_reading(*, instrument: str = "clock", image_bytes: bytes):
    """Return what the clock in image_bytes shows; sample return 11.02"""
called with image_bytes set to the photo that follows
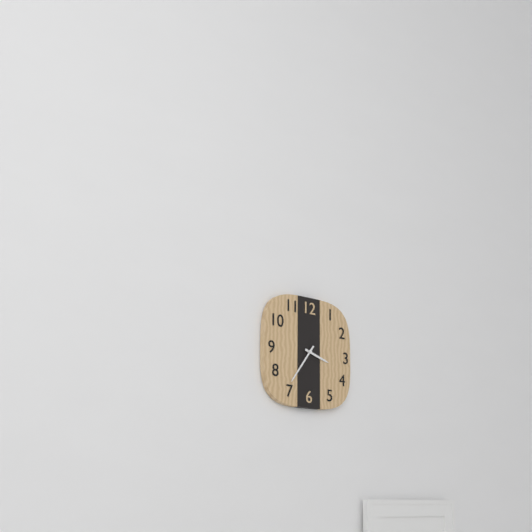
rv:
3.36
